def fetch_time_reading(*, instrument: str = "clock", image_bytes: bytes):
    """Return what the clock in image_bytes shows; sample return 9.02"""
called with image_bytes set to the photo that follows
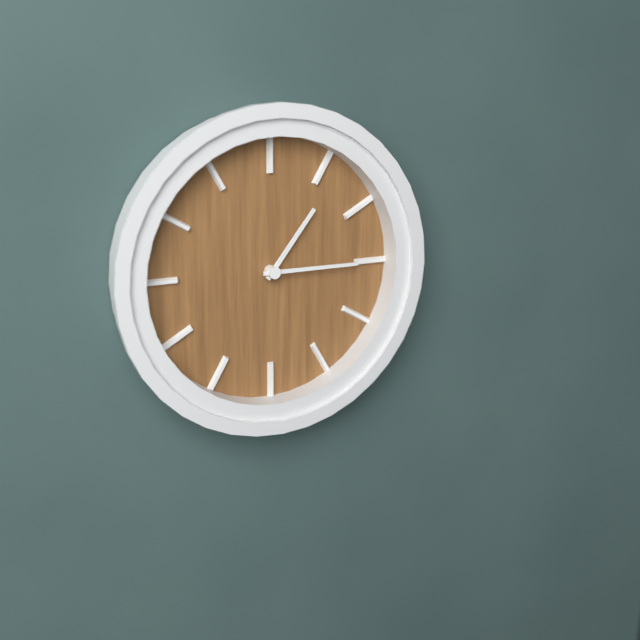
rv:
1.15
